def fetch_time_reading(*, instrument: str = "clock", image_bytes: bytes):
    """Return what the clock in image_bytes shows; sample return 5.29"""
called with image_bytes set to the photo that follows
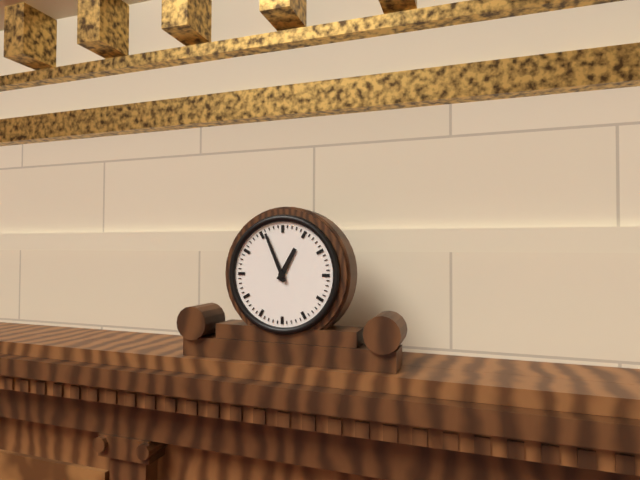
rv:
12.56
